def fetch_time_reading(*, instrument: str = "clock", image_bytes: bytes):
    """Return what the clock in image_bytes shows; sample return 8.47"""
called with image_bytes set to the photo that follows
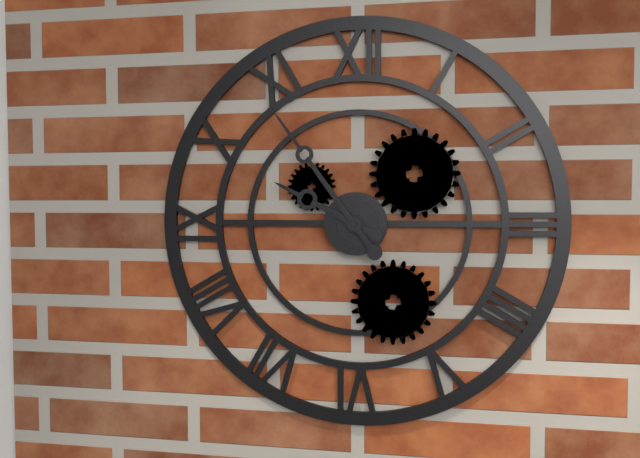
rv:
9.54
